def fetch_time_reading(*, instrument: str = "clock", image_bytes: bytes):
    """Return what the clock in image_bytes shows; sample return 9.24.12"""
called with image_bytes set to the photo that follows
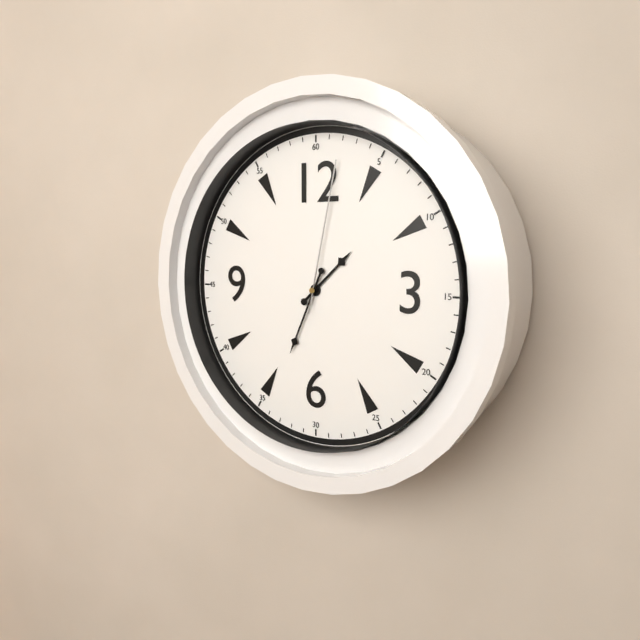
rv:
1.34.02
